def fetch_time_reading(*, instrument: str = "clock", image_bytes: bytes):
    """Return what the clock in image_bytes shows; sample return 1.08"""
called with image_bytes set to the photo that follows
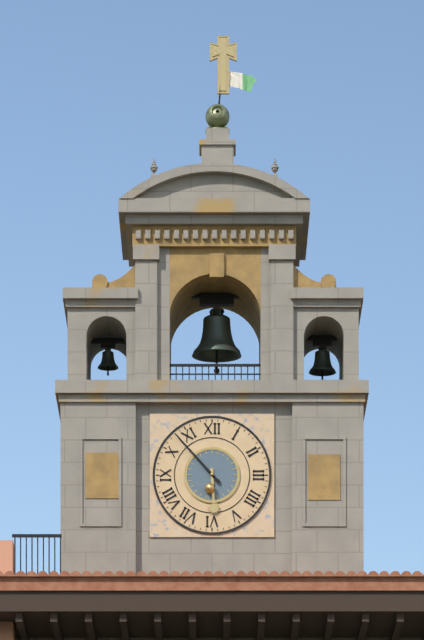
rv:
5.53
